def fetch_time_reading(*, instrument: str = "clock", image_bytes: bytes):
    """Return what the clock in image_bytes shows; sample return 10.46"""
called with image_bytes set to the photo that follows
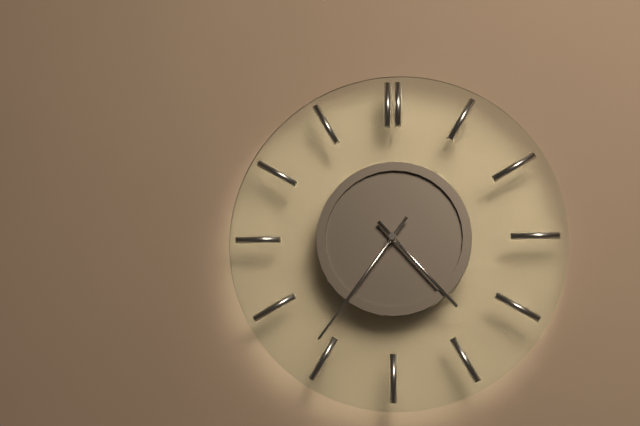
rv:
4.36
